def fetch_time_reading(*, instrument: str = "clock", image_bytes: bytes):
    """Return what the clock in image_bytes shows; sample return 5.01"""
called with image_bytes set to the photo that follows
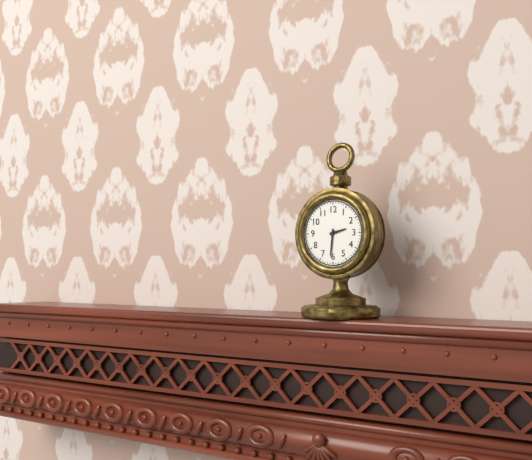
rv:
2.31
